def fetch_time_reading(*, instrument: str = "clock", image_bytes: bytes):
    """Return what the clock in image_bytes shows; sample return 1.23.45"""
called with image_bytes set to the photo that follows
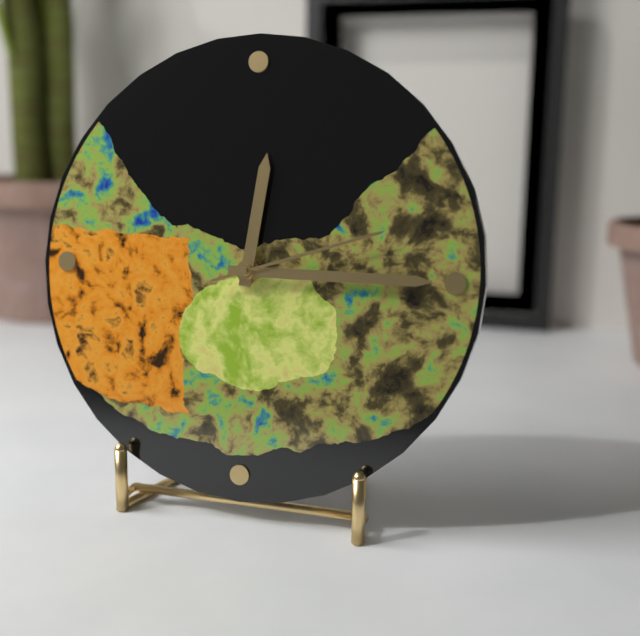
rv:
12.15.12
